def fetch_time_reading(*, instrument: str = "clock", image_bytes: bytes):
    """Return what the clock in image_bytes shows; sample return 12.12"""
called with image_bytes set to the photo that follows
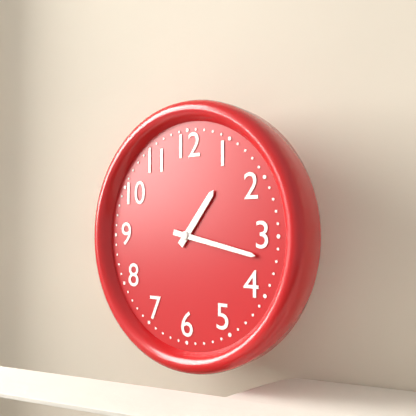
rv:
1.17
